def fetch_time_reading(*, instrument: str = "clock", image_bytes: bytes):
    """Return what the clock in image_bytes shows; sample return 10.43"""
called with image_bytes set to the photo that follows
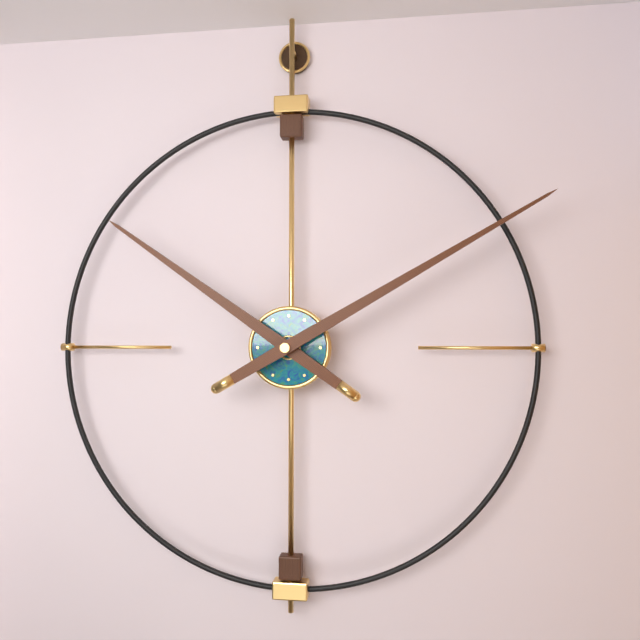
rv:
10.10
